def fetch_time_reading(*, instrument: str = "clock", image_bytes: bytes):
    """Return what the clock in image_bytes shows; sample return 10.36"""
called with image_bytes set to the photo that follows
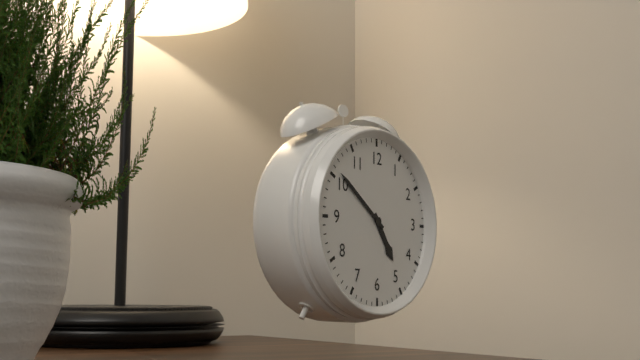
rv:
4.51
